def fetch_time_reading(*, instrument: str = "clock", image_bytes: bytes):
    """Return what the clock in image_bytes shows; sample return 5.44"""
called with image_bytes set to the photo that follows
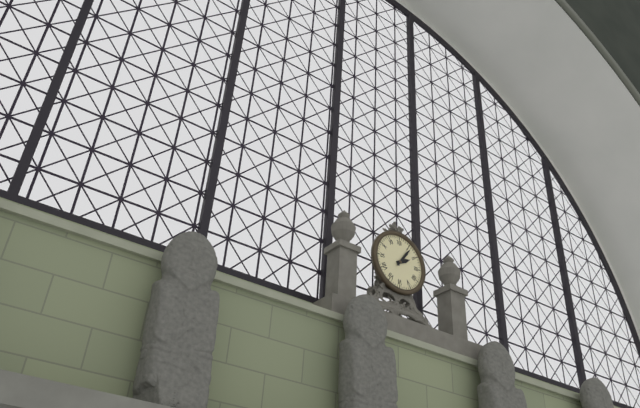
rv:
2.06
